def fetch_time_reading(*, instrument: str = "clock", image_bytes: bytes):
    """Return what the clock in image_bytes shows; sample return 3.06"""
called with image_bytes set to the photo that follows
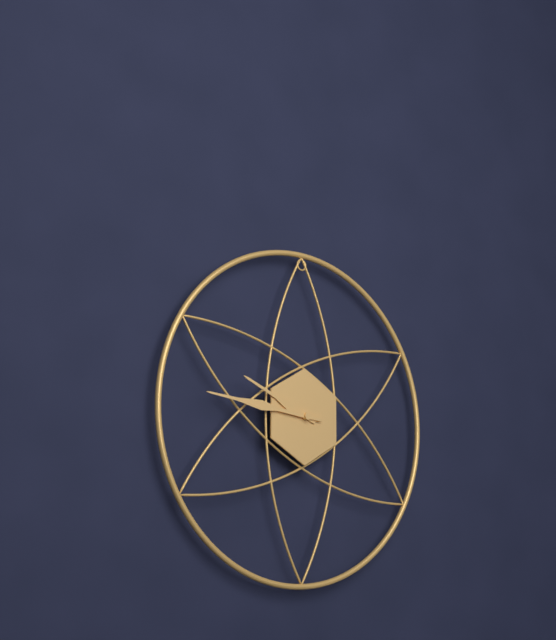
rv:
9.46
